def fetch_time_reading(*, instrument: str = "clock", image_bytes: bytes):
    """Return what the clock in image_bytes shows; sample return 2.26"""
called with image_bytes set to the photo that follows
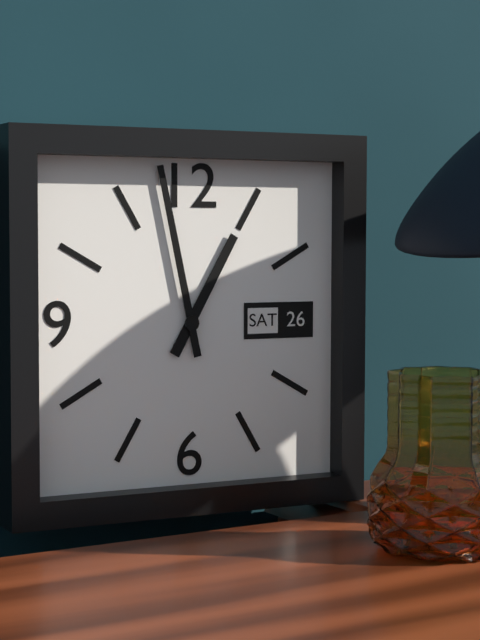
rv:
12.58
